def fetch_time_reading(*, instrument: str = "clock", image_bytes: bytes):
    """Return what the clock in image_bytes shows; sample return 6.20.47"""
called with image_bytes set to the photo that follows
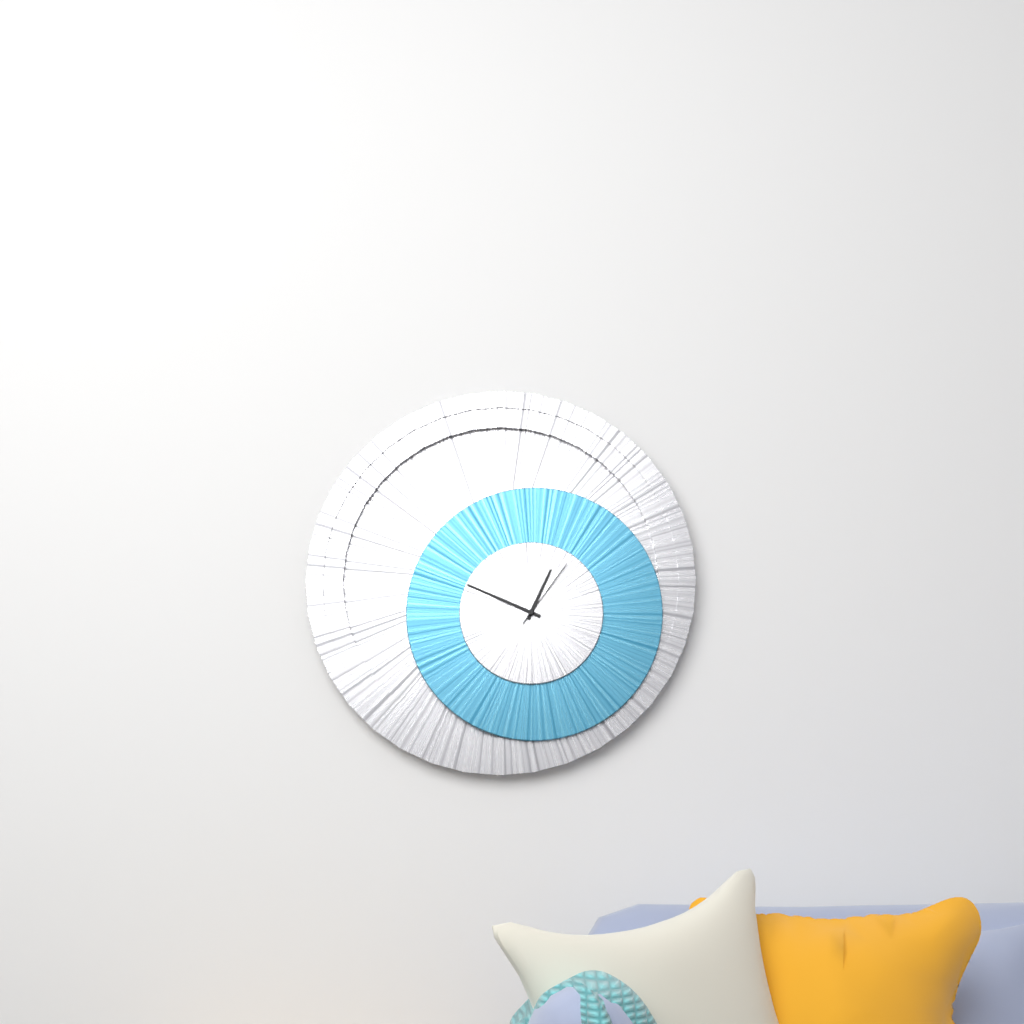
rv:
12.49.06
